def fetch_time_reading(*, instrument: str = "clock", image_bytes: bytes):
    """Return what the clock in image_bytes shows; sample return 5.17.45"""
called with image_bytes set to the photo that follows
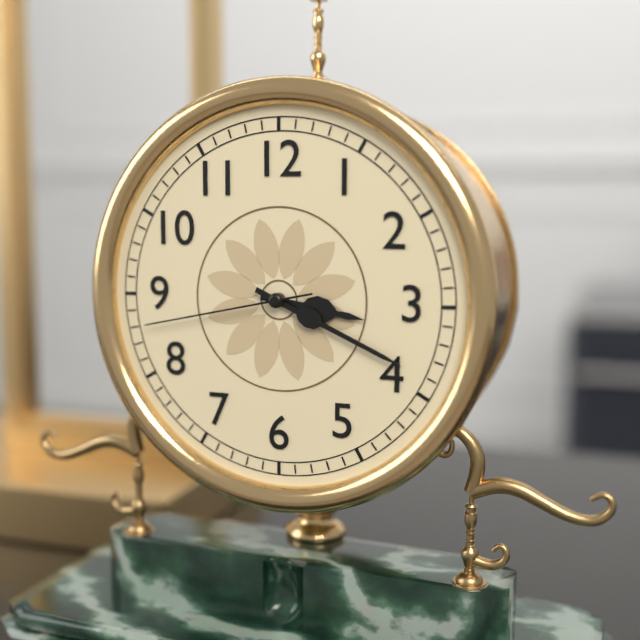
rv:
3.19.43
